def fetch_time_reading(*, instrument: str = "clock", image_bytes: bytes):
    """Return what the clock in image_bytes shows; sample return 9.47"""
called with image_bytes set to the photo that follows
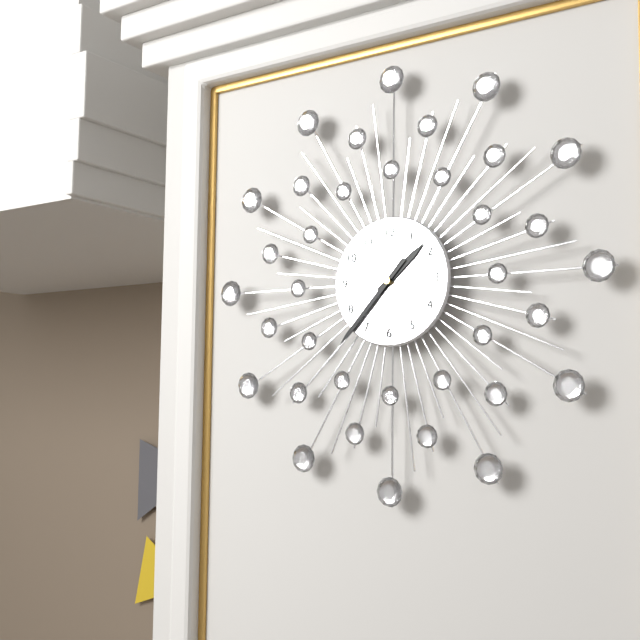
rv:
1.37
